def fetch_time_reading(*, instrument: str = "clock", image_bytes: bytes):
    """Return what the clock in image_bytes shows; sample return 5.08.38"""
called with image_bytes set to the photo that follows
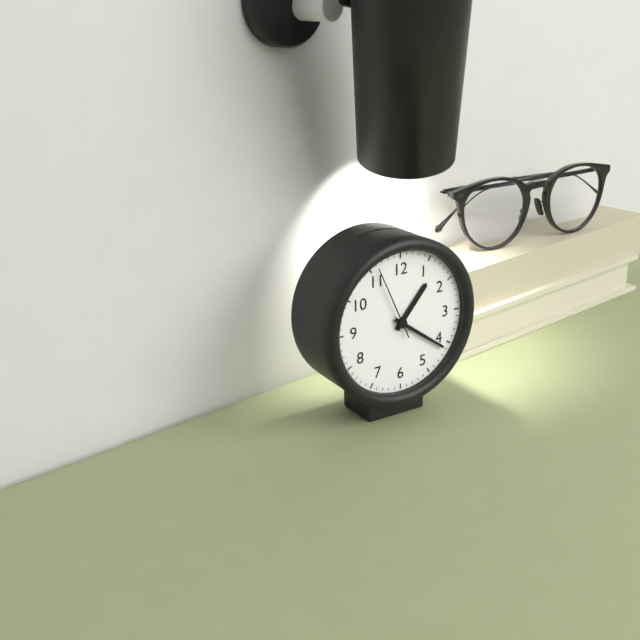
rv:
1.21.56
